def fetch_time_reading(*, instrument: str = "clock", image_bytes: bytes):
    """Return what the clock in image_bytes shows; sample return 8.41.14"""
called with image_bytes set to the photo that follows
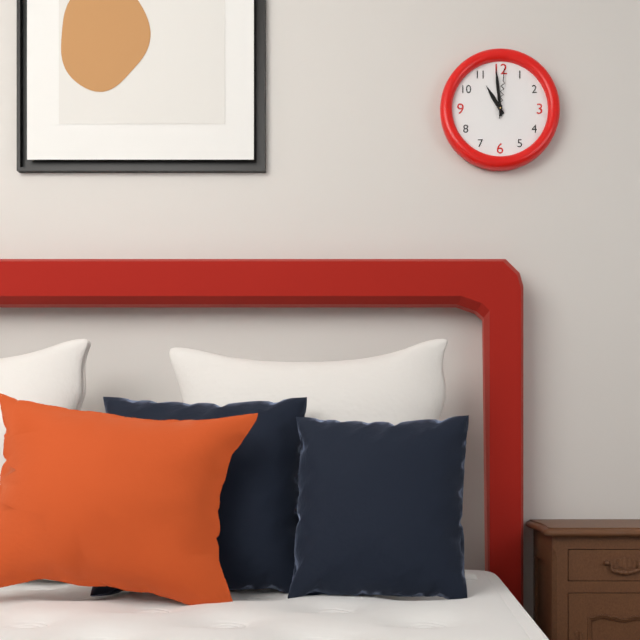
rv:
10.59.01
